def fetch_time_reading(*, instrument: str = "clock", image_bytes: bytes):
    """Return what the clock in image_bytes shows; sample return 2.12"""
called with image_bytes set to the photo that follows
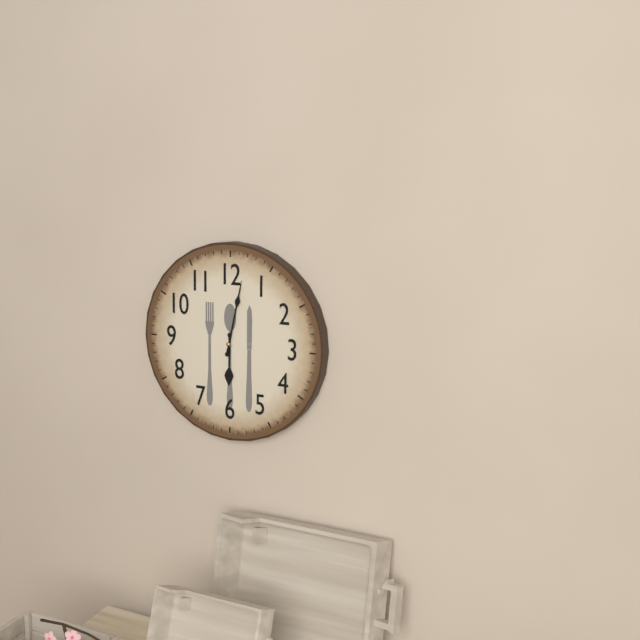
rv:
6.02
